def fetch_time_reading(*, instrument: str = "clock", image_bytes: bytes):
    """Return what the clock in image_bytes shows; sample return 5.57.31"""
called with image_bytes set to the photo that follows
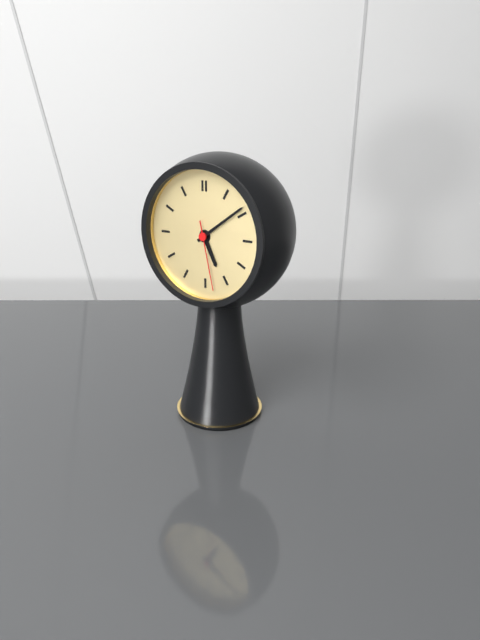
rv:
5.09.28
